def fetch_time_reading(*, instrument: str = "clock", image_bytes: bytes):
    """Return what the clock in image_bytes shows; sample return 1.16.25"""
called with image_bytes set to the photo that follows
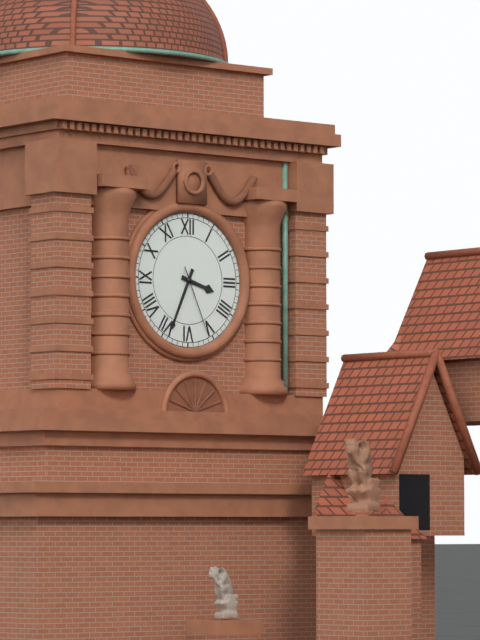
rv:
3.34.26
